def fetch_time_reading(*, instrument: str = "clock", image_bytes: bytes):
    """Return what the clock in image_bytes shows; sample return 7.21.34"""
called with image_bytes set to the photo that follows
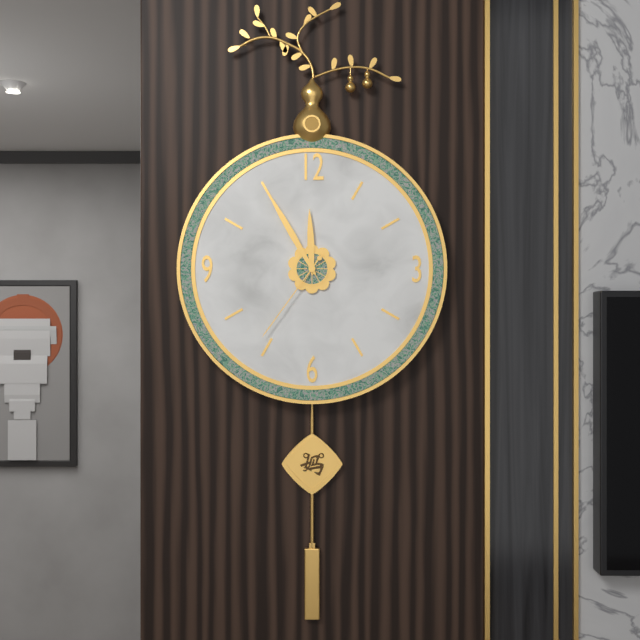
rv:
11.55.36
